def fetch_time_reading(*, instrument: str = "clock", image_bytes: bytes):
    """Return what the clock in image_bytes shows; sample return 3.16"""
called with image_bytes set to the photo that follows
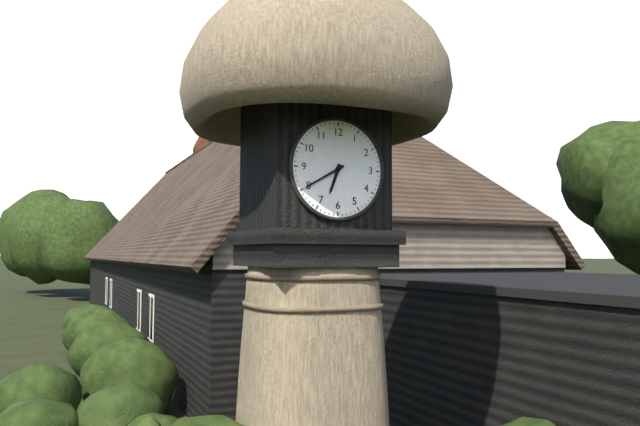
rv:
6.40
